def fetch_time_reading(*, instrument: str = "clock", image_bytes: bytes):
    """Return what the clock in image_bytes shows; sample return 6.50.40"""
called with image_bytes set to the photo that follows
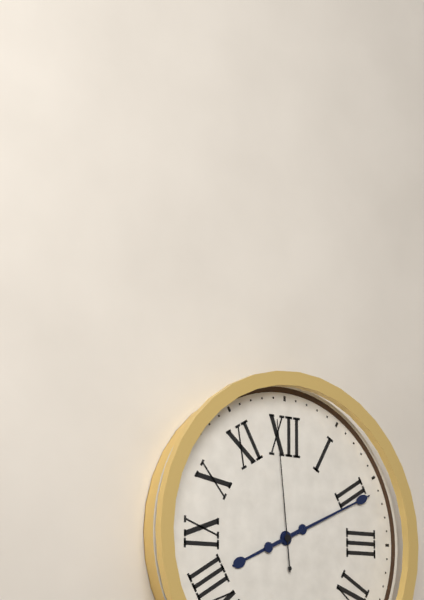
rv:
8.11.59
